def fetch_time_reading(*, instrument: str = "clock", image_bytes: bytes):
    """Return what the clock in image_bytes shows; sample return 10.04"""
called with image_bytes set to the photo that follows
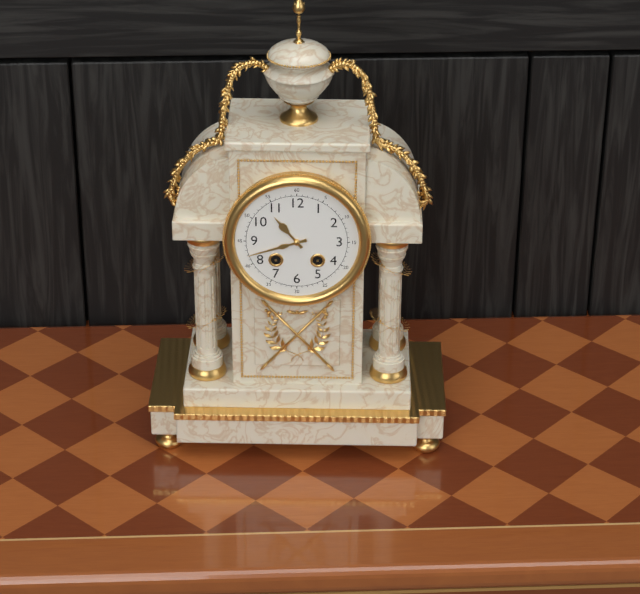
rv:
10.42
